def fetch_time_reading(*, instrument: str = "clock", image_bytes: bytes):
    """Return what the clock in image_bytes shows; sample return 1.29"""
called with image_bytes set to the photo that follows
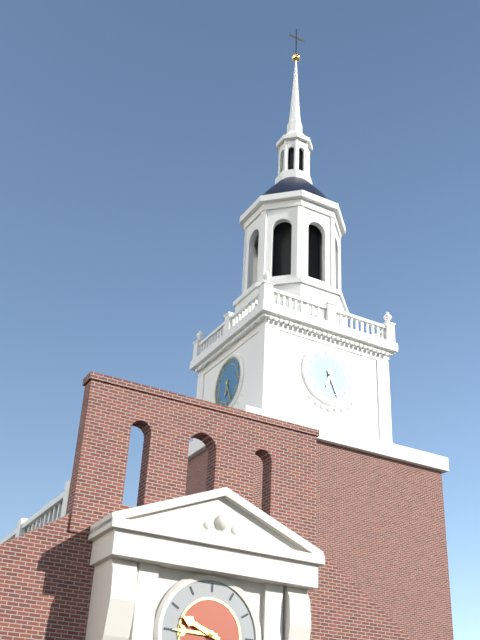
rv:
6.26
